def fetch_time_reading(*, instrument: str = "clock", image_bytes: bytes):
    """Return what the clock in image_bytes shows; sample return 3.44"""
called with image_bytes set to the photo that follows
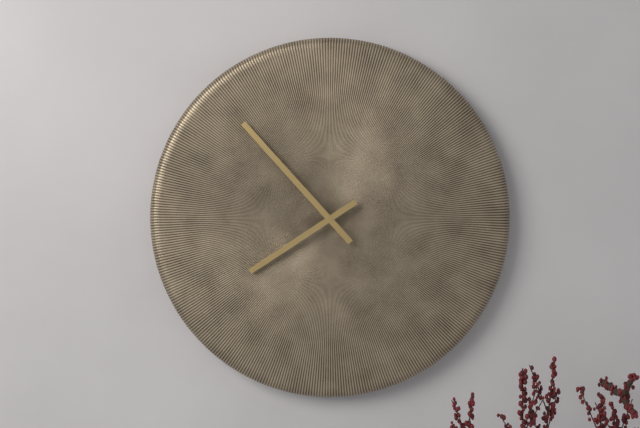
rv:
7.53
